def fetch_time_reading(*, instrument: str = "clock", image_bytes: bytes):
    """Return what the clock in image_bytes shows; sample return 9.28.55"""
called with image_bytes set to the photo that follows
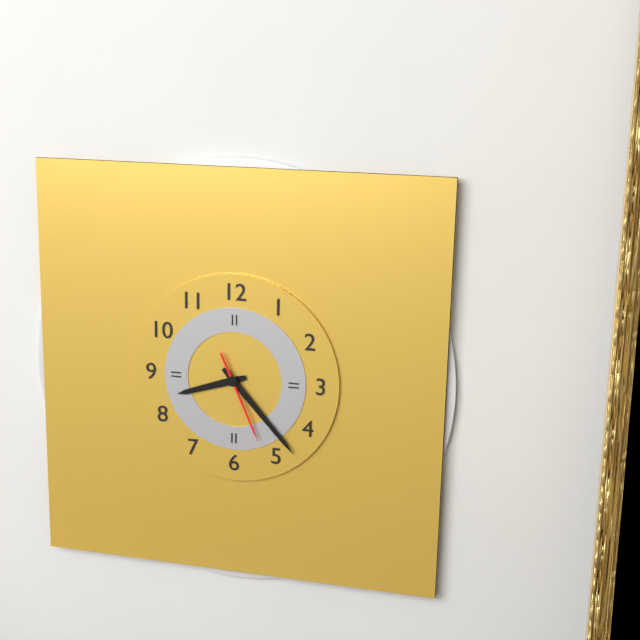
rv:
8.23.26
